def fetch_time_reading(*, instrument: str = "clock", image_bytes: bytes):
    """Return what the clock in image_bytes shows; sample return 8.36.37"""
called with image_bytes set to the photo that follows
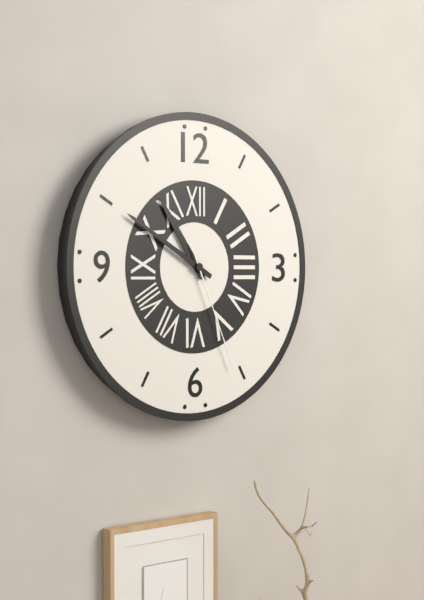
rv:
10.50.26
